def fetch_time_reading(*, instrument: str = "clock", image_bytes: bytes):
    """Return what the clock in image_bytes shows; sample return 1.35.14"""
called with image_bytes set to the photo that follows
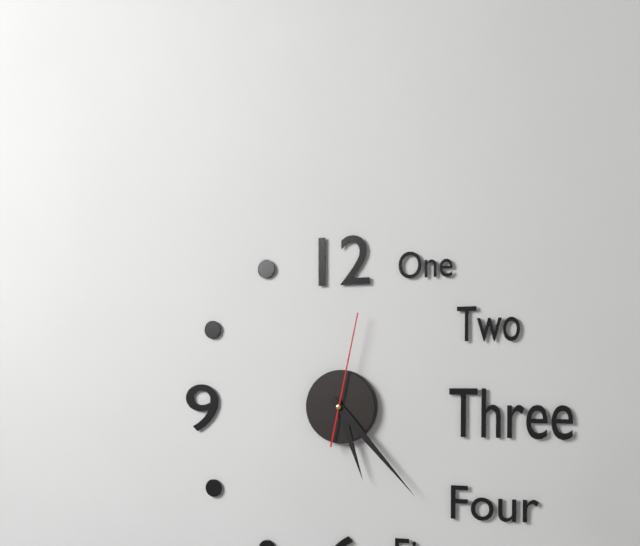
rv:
5.23.02
